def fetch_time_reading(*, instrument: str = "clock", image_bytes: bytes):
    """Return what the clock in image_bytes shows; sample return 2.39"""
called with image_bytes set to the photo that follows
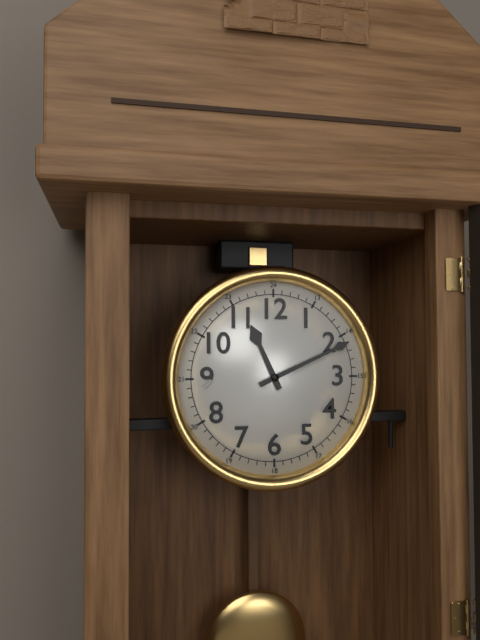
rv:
11.11
